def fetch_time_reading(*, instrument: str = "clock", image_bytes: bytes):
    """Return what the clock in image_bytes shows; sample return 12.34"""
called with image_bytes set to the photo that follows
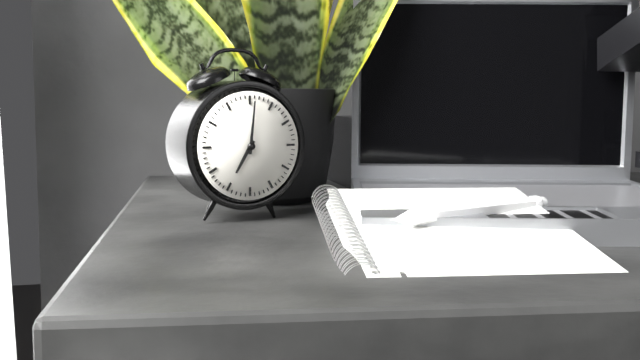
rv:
7.01
